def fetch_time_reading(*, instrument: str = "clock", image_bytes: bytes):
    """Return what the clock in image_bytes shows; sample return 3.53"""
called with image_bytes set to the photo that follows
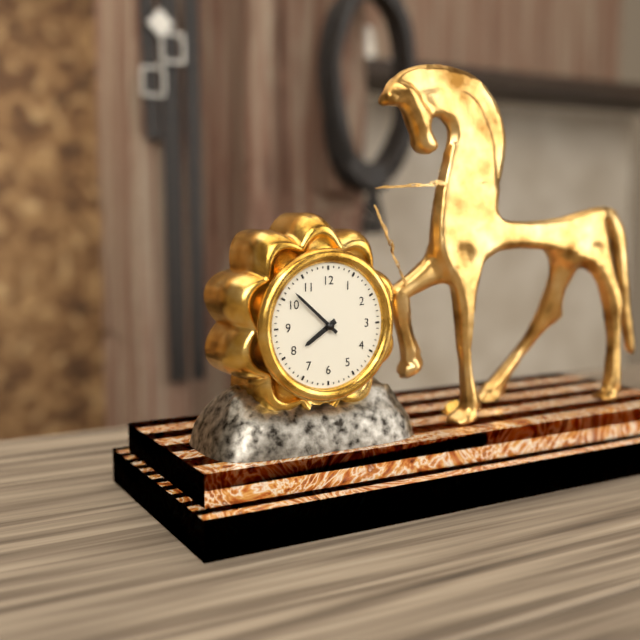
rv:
7.52
